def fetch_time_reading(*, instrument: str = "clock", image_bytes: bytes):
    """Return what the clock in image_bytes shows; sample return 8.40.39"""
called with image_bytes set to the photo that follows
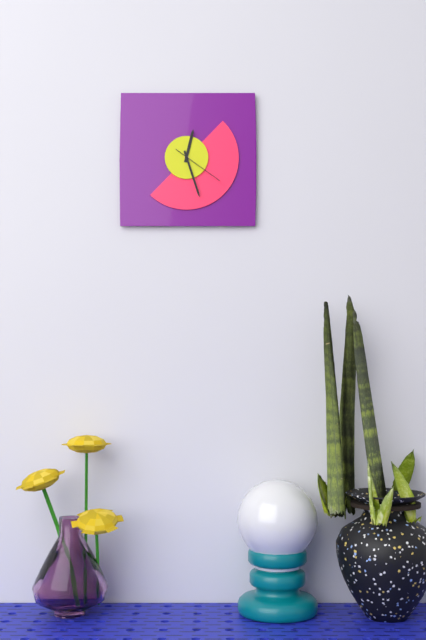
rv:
12.27.21
